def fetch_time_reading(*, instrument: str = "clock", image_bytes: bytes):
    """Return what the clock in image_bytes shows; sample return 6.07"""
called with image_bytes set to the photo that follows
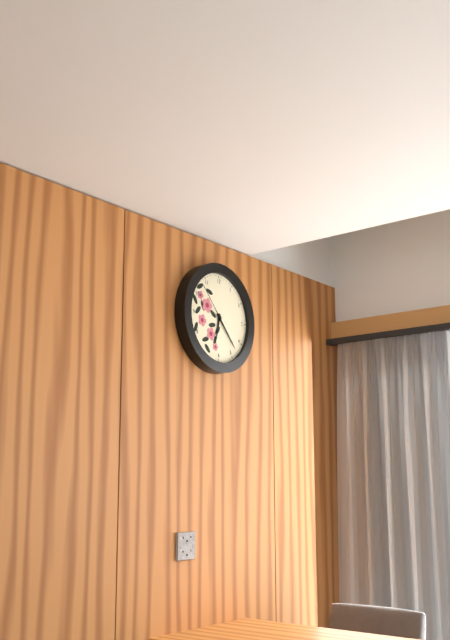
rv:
6.23
